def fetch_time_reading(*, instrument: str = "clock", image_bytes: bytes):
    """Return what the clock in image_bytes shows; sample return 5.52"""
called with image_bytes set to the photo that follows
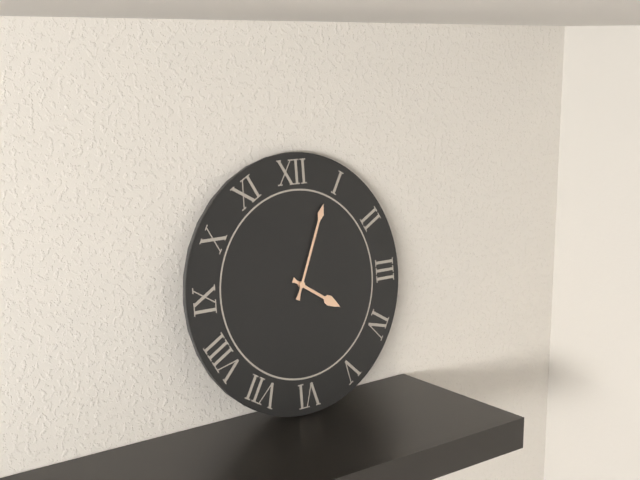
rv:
4.04
